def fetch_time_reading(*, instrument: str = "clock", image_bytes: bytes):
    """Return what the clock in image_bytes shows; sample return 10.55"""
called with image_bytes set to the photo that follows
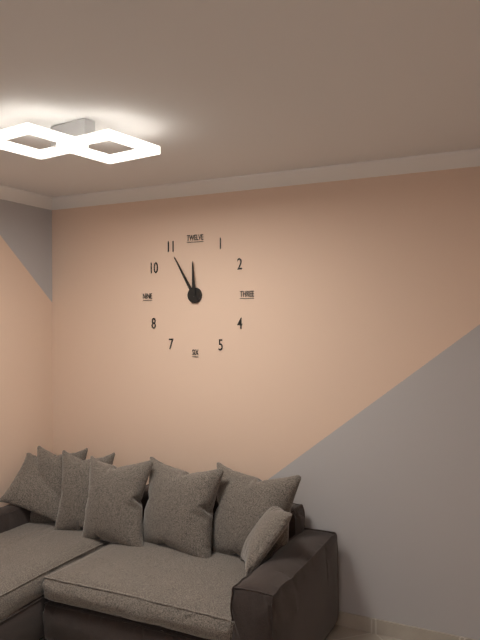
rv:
11.55
